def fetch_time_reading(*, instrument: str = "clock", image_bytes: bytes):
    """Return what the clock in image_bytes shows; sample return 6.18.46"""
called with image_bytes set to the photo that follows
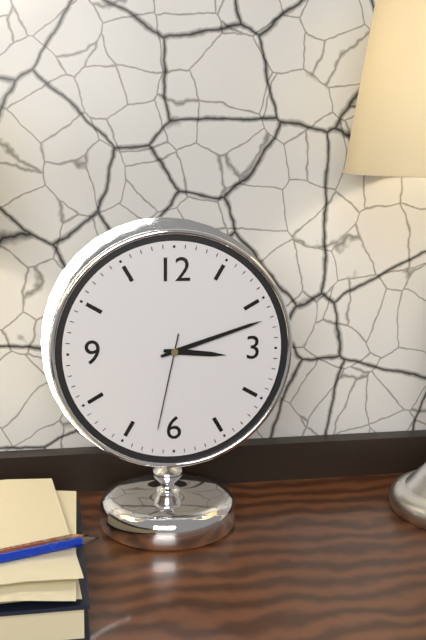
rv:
3.12.32
